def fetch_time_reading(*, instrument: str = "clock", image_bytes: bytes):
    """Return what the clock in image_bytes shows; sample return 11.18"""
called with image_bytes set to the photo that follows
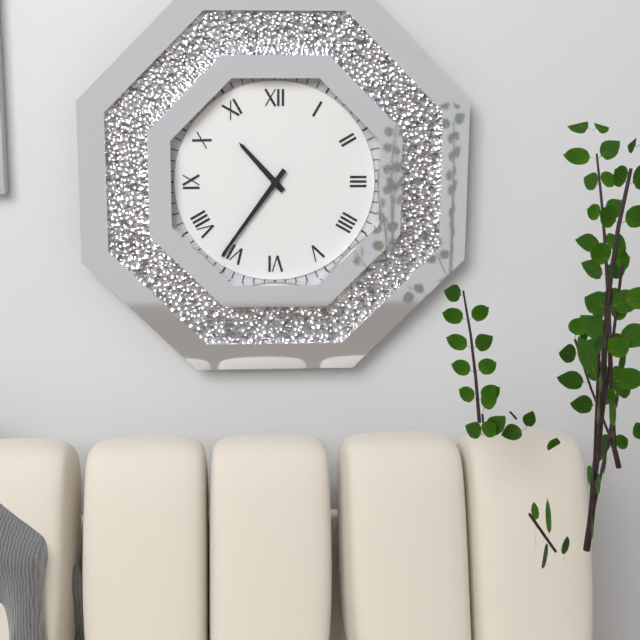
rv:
10.36
